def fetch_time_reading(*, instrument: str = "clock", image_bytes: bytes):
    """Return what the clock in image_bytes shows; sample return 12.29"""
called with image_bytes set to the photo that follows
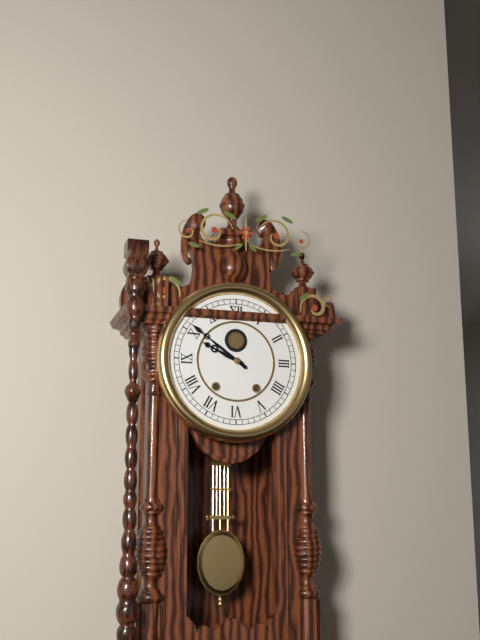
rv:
9.51
